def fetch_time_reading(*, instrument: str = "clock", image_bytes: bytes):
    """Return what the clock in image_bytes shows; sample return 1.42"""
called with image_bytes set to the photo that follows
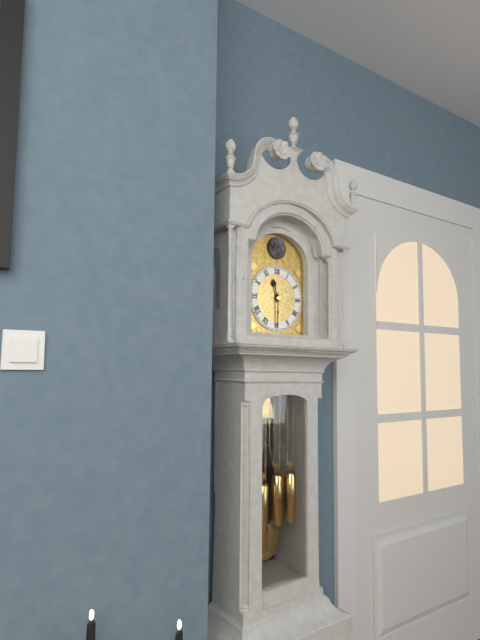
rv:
11.30
